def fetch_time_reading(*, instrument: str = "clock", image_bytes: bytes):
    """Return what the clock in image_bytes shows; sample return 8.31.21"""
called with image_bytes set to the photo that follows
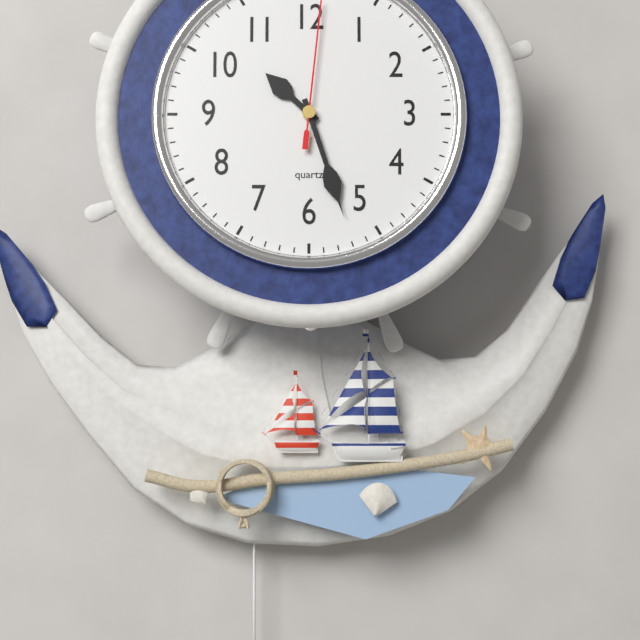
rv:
10.27.01
